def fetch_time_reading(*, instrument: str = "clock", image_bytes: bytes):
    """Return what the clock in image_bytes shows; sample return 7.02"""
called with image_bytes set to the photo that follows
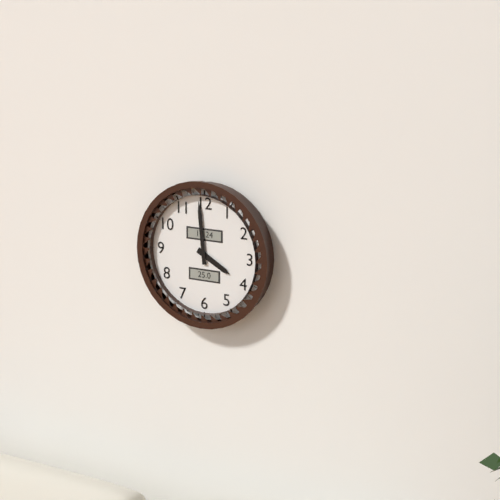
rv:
3.59
